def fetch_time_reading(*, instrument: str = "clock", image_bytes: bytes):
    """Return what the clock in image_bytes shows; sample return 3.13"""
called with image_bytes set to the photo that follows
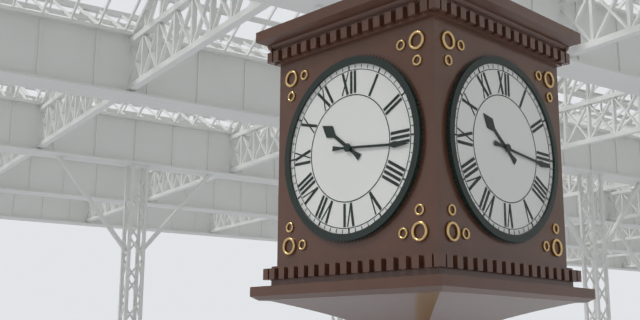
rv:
10.16
